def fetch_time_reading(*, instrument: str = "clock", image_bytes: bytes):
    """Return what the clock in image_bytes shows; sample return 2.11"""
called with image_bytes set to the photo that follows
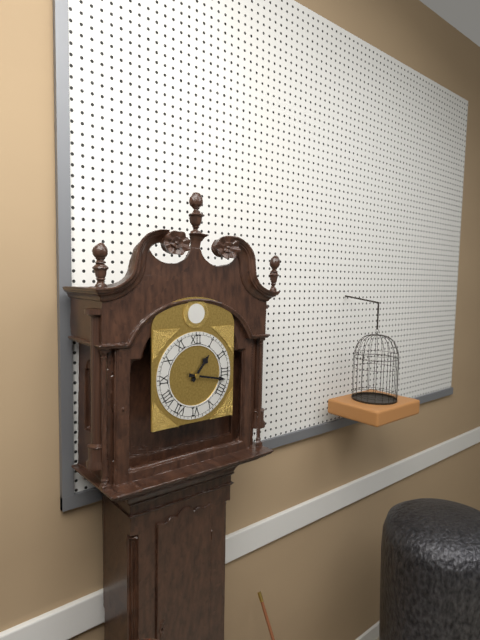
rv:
1.17
